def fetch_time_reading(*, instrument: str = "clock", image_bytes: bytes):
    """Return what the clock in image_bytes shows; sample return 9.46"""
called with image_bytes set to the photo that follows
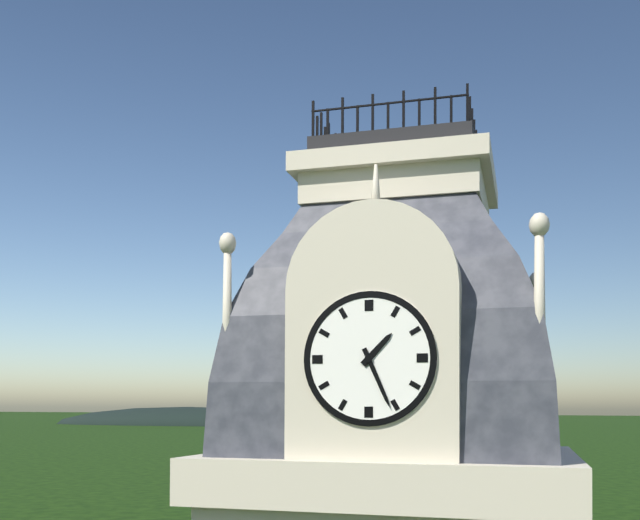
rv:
1.26
